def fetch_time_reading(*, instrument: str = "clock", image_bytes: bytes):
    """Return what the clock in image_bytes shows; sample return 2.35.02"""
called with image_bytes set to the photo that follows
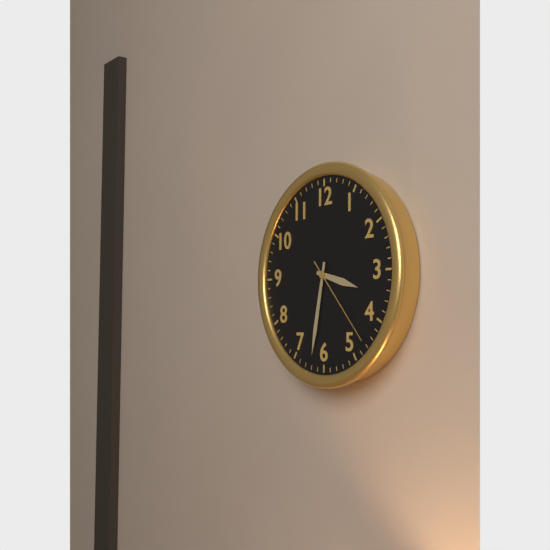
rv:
3.32.23
